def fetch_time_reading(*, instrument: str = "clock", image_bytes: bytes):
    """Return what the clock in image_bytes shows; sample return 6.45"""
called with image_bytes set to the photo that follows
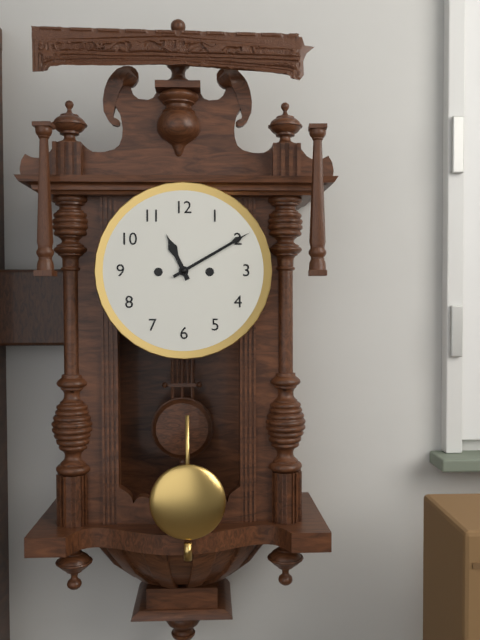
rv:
11.10
